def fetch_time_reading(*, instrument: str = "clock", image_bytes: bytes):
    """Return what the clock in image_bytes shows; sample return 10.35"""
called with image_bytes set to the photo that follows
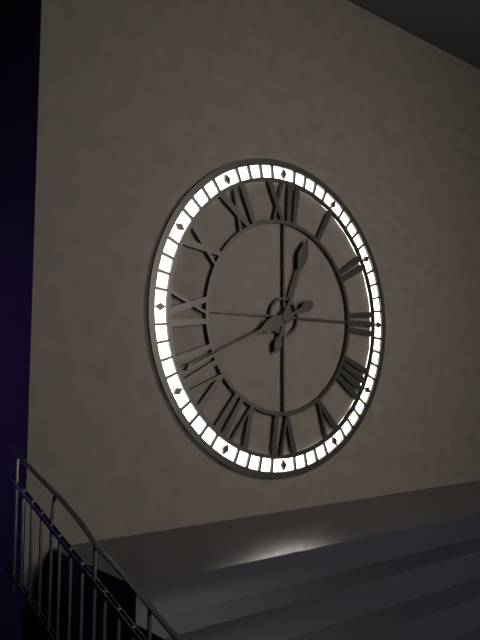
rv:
12.41
